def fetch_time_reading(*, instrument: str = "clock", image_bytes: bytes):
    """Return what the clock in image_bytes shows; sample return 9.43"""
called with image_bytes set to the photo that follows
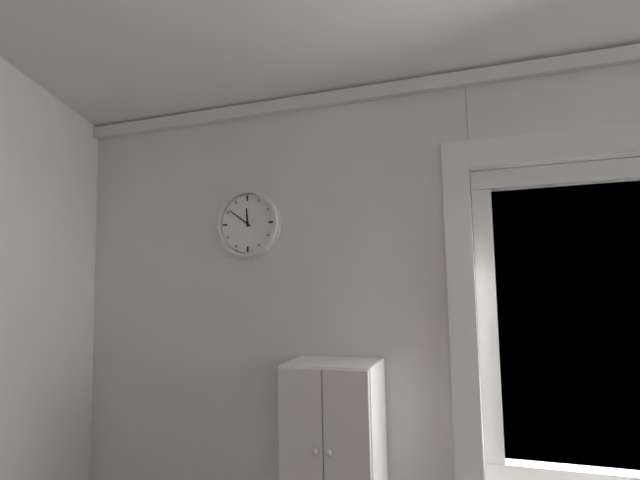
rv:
11.51
